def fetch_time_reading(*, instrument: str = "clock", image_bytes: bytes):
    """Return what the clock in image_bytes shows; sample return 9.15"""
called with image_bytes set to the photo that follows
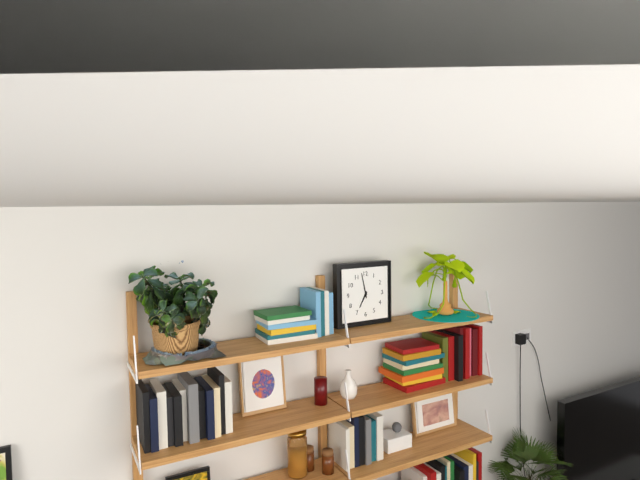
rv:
6.58
